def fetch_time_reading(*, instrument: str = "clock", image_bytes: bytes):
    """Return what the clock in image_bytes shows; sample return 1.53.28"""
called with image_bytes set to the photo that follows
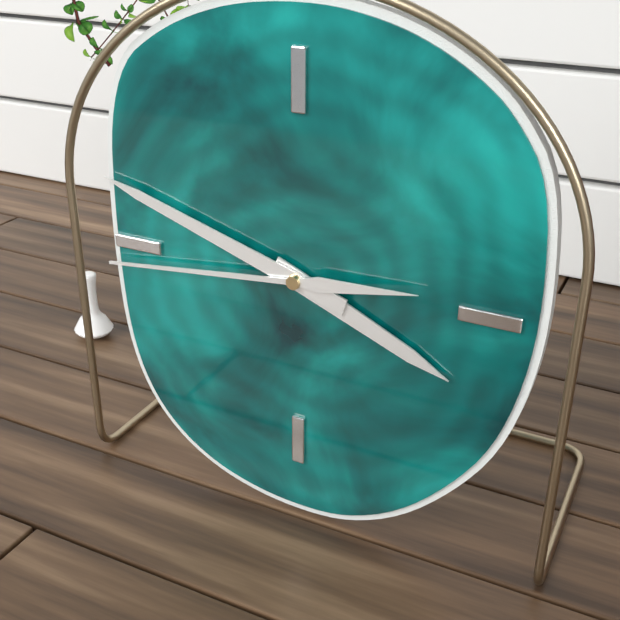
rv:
3.48.44
